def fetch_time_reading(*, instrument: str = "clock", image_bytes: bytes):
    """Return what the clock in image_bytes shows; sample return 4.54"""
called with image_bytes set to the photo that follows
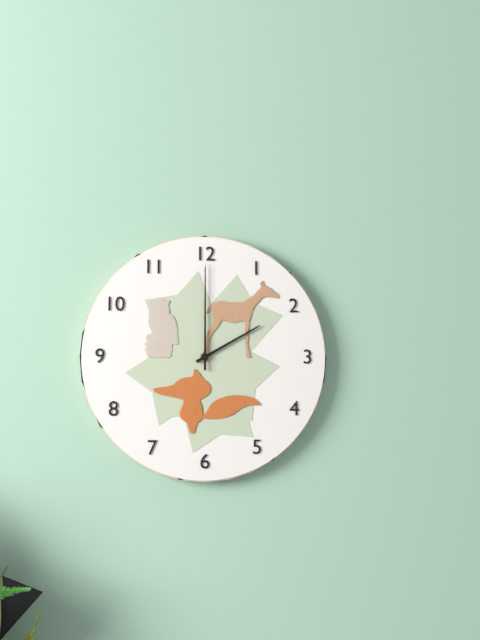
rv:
2.00
